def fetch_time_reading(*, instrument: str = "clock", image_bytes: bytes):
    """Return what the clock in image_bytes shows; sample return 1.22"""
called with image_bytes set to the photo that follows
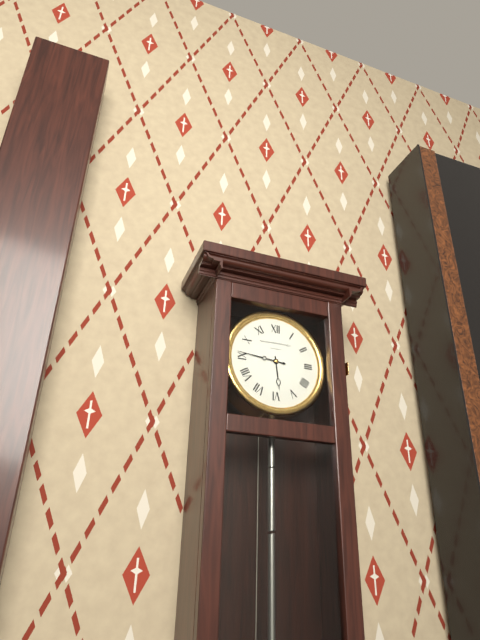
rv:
5.46
